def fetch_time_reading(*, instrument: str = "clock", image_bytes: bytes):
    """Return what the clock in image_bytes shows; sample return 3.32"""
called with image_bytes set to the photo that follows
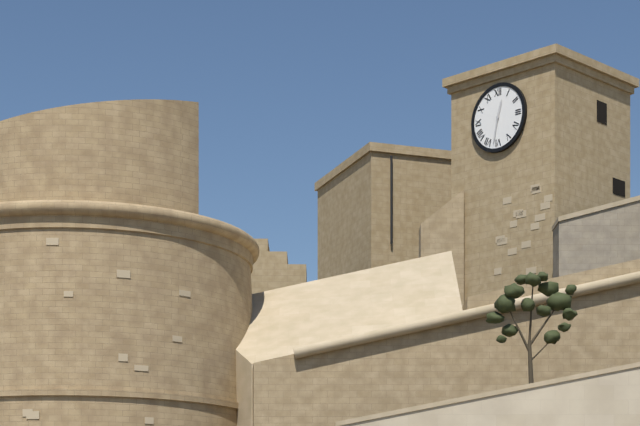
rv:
12.32
